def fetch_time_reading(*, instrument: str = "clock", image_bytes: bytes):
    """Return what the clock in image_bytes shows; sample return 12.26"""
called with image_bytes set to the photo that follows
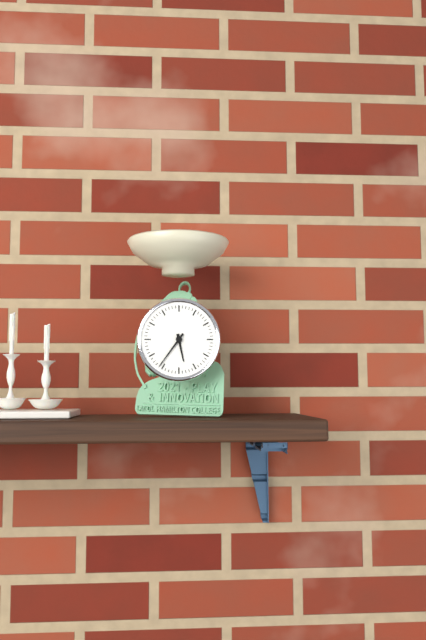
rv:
5.36
